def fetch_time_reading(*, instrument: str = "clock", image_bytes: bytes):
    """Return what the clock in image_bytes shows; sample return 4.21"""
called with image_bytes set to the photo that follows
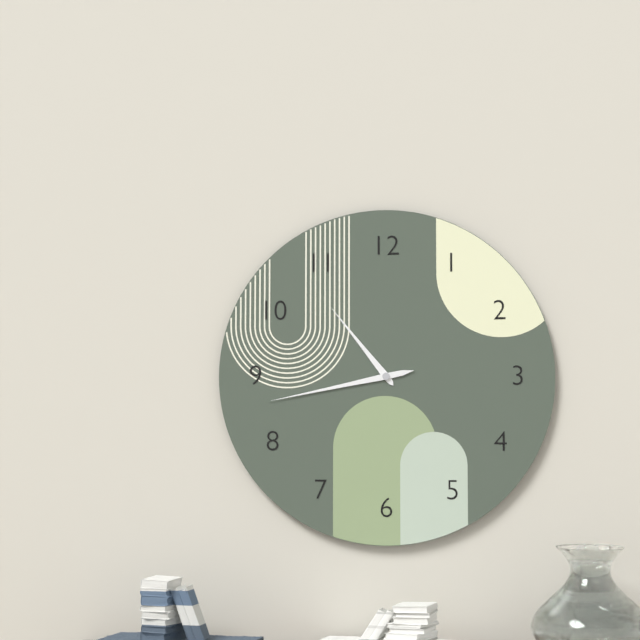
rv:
10.43
